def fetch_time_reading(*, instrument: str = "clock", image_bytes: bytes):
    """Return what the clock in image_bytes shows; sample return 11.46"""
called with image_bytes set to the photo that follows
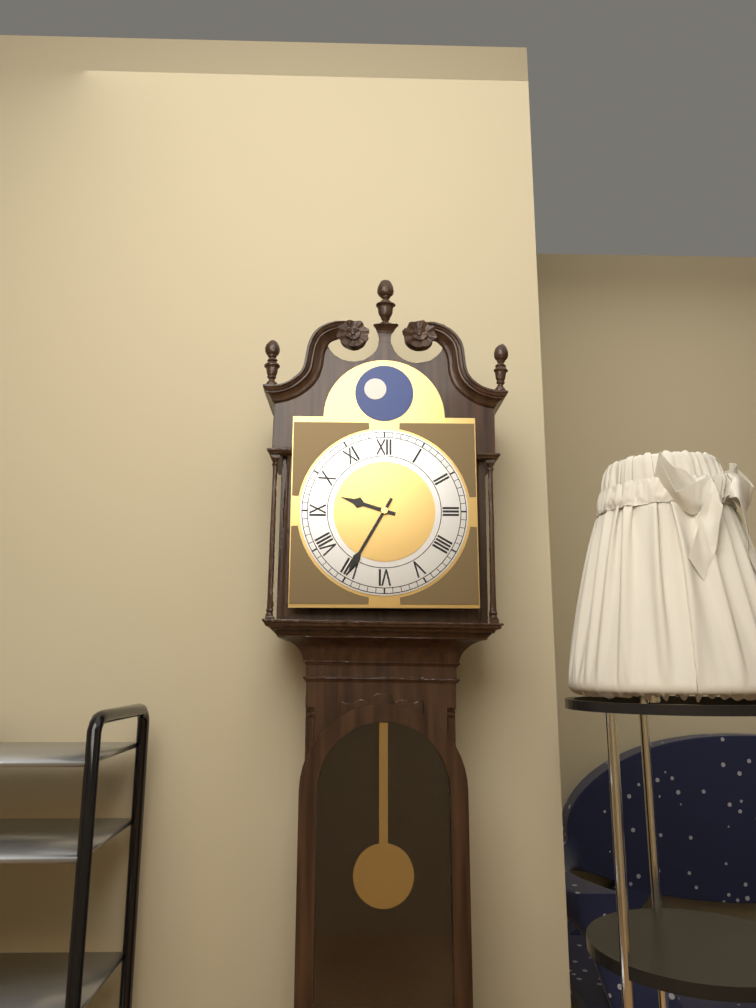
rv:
9.35
